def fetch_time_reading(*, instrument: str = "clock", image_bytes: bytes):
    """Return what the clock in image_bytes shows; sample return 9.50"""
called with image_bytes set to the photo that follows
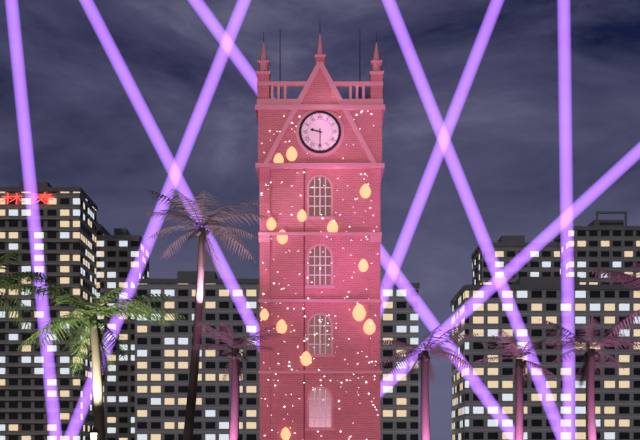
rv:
9.30
